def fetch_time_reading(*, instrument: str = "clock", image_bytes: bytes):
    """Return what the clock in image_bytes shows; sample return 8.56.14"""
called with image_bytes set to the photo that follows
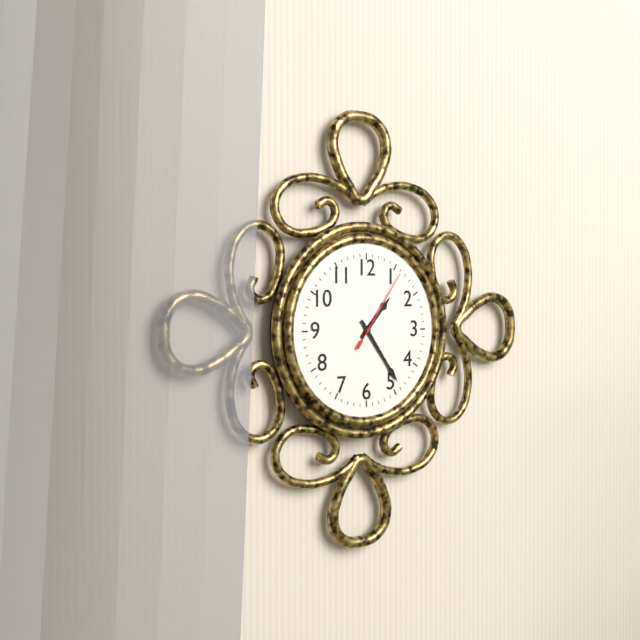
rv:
1.24.06
